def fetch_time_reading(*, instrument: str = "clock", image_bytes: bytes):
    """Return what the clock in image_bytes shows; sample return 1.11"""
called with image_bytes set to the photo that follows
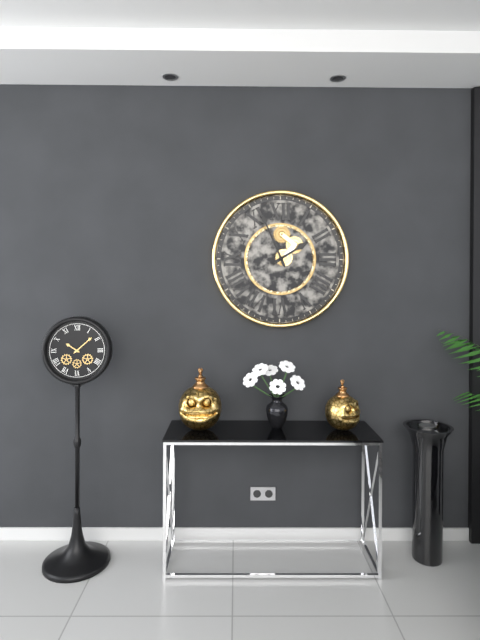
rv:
1.56
